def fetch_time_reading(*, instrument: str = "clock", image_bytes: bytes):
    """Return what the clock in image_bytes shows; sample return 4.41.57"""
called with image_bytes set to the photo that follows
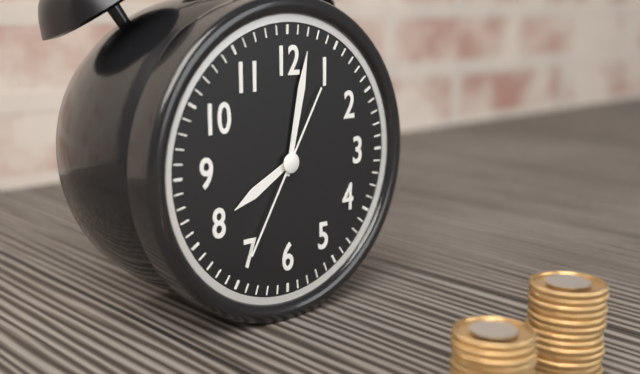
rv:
8.02.35
